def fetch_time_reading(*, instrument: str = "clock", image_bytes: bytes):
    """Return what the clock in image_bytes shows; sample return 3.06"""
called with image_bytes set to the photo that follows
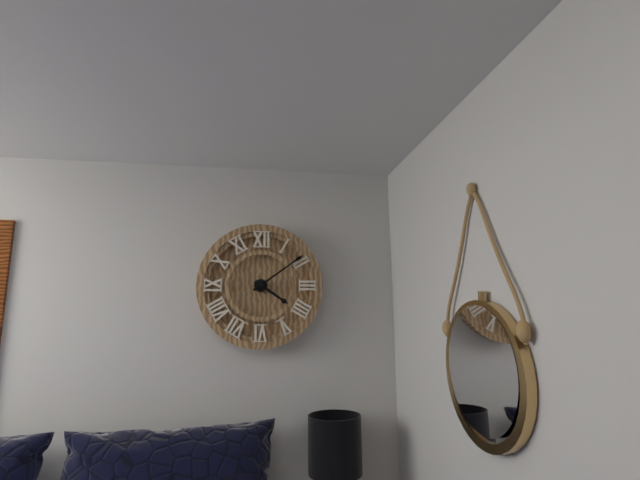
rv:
4.09
